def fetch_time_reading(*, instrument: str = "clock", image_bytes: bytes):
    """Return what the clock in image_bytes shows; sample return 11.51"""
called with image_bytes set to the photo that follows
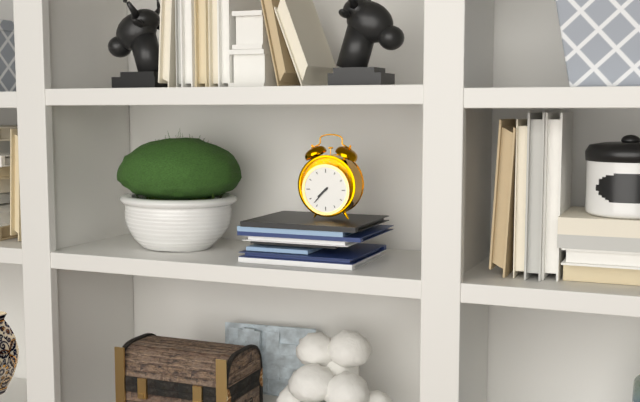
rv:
7.37
